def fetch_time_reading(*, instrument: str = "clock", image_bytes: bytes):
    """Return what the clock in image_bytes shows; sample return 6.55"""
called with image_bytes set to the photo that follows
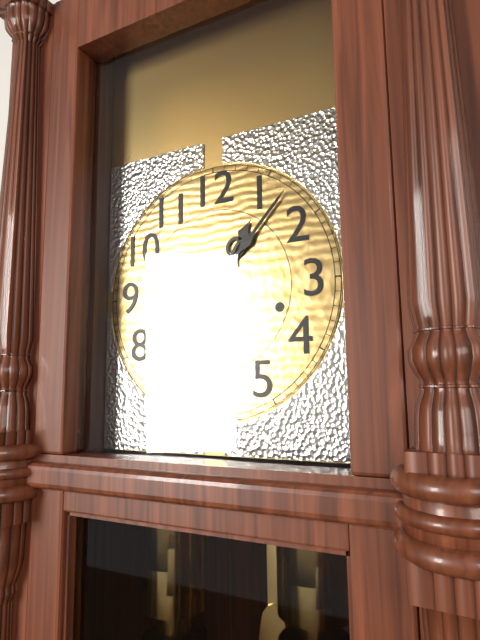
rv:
1.07
